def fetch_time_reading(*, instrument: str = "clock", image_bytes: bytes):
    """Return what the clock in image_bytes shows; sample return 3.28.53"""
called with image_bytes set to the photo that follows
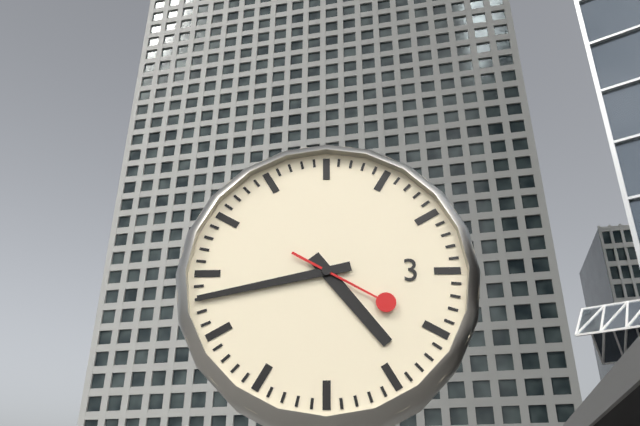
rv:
4.43.20
